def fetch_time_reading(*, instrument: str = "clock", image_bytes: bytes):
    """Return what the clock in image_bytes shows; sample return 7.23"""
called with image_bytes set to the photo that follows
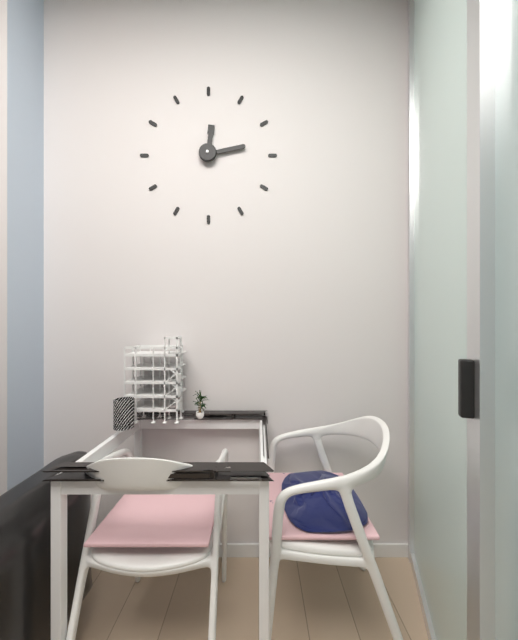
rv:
12.13
